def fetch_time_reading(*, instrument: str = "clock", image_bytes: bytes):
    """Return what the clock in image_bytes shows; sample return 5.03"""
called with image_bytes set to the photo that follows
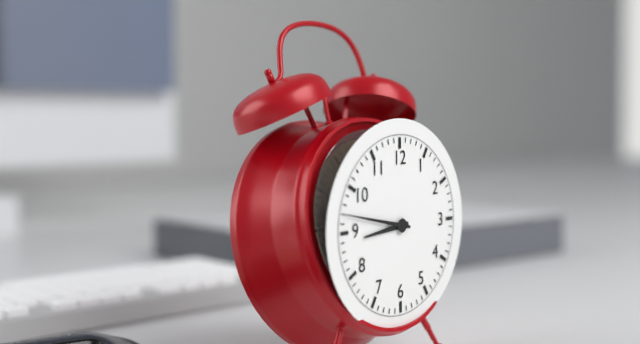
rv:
8.47
